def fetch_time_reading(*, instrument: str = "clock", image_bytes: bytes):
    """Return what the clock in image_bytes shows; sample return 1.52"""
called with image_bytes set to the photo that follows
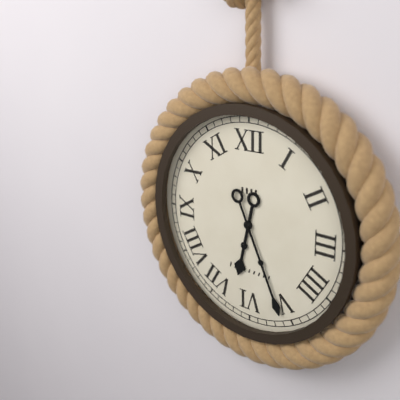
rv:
6.26
